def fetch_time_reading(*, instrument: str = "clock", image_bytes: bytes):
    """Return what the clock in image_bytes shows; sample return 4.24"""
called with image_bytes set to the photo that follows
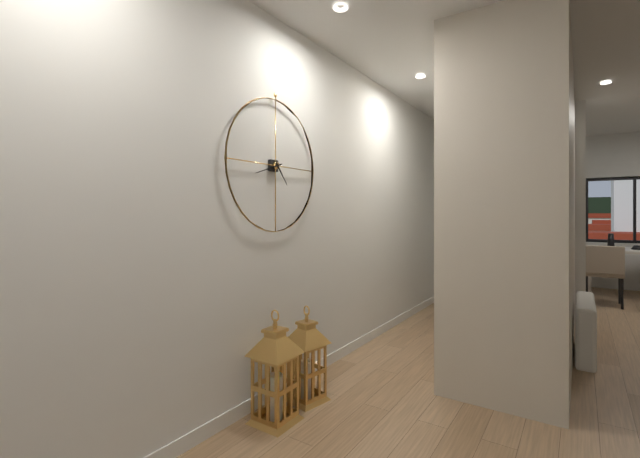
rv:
4.42
